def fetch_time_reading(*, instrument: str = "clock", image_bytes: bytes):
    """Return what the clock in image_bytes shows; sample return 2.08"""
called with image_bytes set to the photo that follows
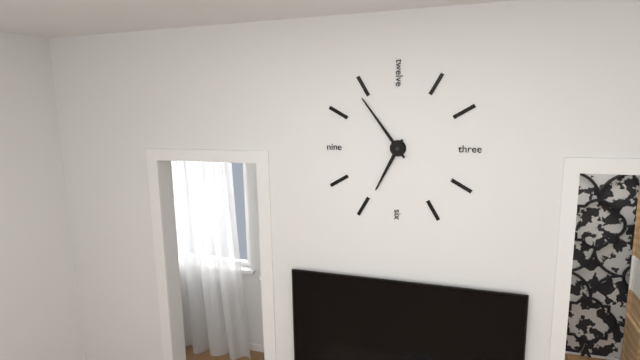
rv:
6.54
